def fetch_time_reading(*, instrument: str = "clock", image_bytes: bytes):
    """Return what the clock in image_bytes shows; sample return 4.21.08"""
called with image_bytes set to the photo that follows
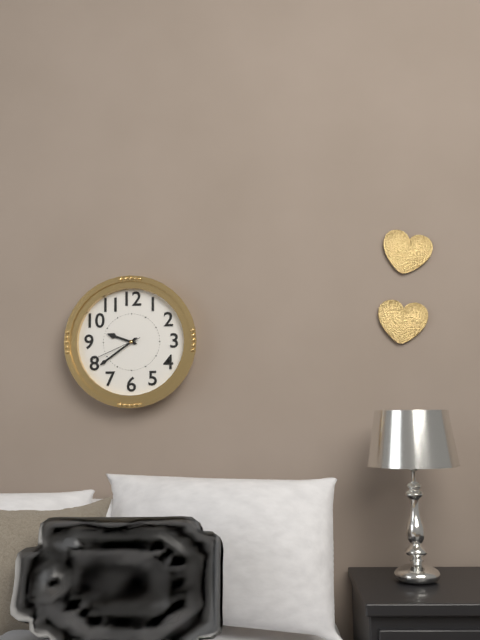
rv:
9.39.41
